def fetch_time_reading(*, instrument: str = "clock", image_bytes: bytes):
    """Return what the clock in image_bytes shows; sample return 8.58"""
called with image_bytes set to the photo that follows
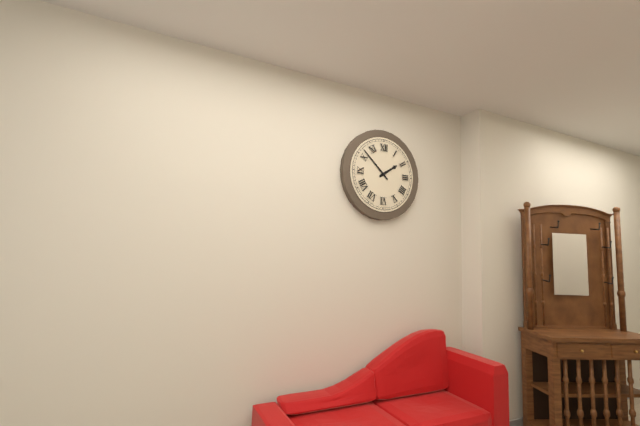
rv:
1.52
